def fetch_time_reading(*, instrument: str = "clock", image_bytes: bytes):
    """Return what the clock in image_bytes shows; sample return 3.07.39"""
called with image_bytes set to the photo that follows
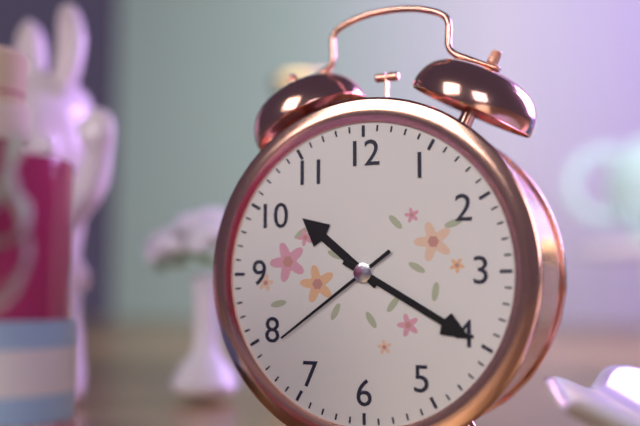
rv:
10.20.39
